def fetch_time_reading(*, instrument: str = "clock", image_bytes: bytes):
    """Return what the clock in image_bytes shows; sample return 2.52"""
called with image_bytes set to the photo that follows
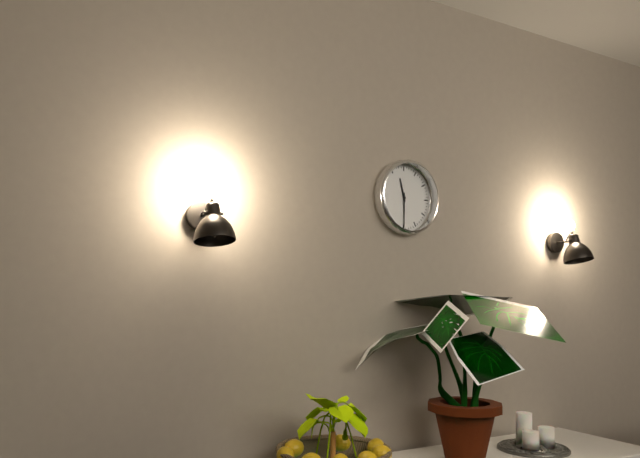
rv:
11.30
